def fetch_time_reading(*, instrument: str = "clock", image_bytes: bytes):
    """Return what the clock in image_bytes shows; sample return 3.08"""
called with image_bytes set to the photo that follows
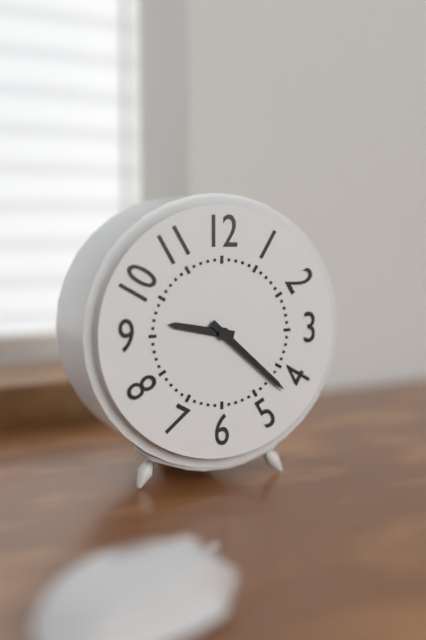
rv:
9.22
